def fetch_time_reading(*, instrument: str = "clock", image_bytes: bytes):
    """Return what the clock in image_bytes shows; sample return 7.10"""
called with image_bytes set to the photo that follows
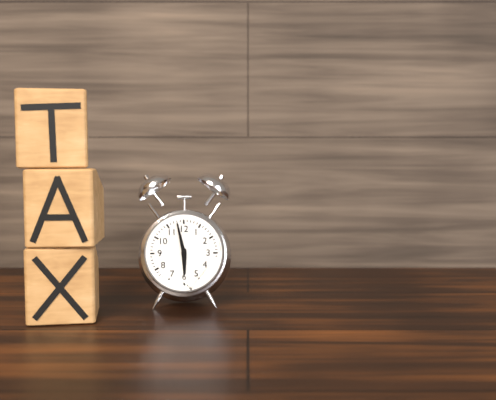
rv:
5.58
